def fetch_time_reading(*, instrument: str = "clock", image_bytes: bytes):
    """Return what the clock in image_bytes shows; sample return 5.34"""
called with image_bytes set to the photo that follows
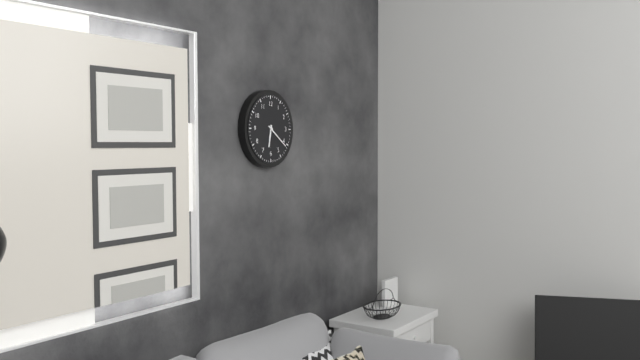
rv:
6.21
